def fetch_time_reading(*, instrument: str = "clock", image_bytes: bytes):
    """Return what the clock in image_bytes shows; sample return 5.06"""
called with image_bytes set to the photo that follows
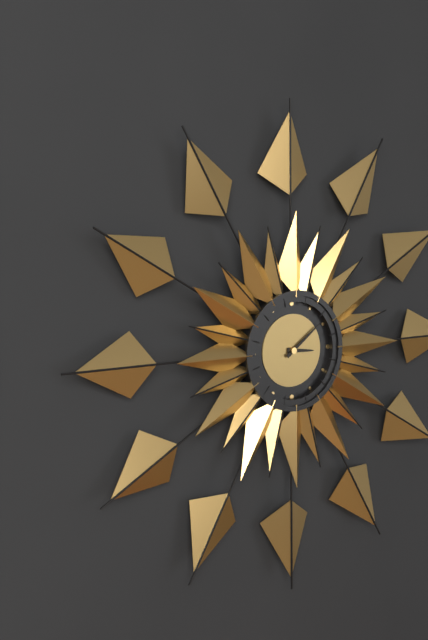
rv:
3.09
